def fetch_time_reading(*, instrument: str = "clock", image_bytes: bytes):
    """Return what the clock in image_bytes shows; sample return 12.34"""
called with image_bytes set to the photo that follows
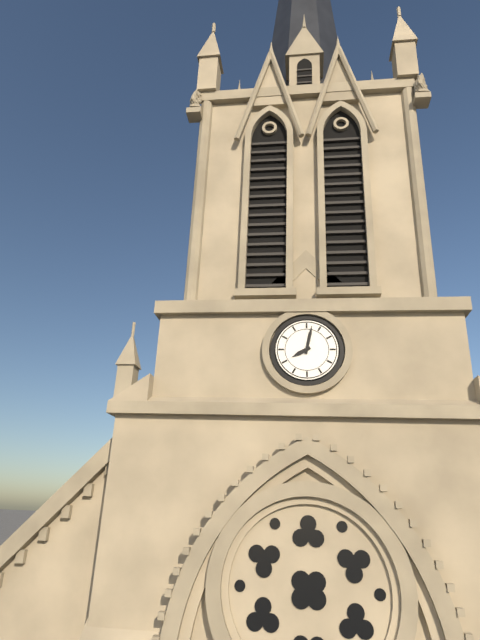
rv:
8.02
